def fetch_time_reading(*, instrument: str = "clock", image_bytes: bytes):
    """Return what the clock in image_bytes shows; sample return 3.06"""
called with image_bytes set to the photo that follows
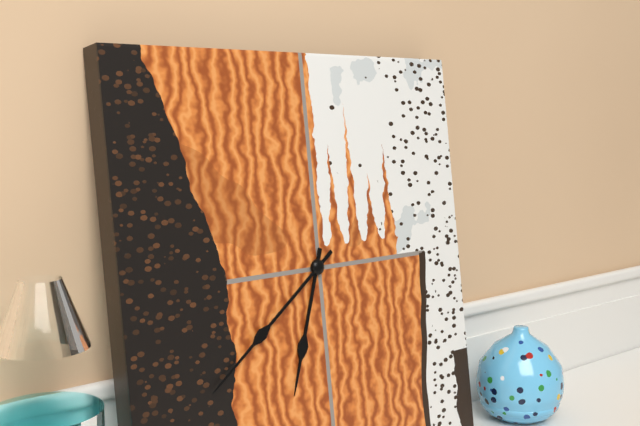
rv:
6.39
